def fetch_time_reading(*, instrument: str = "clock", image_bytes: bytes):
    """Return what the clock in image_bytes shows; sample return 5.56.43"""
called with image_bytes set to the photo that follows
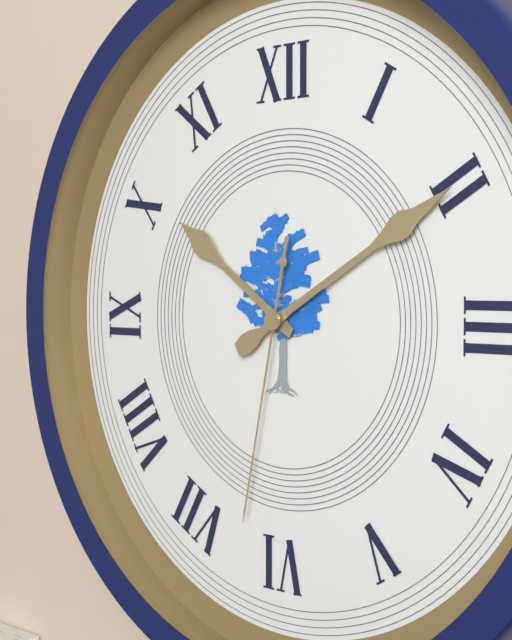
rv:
10.10.32
